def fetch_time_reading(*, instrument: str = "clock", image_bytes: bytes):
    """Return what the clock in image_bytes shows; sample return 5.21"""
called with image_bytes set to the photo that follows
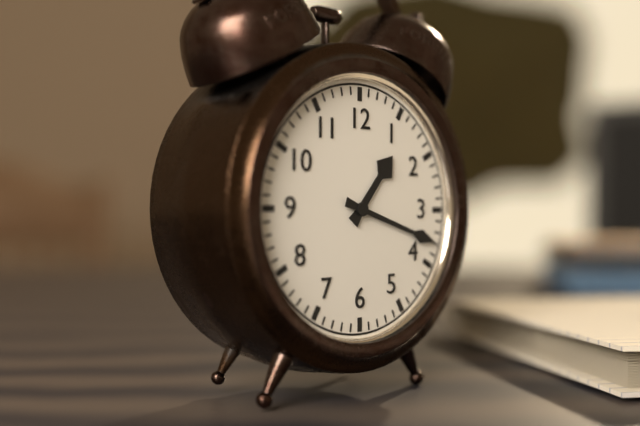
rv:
1.18
